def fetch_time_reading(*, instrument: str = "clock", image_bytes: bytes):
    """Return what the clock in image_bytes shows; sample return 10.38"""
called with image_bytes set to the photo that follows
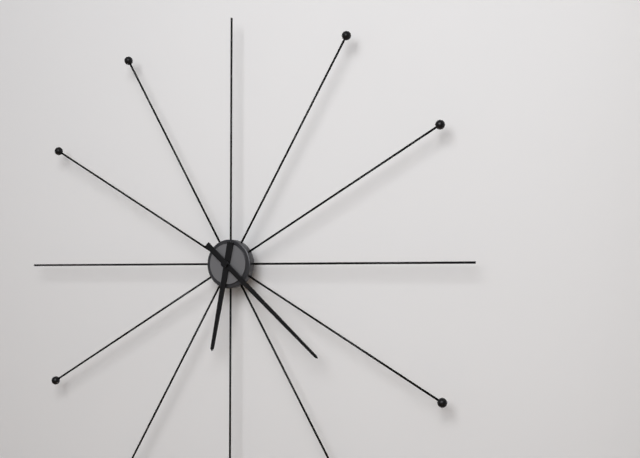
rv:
6.22
